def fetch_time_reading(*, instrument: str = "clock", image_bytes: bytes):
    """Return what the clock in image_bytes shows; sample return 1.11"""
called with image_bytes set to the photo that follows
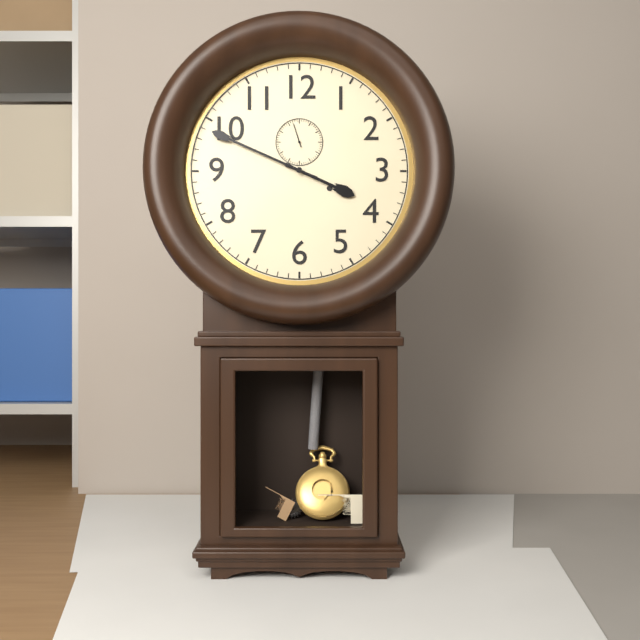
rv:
3.49
